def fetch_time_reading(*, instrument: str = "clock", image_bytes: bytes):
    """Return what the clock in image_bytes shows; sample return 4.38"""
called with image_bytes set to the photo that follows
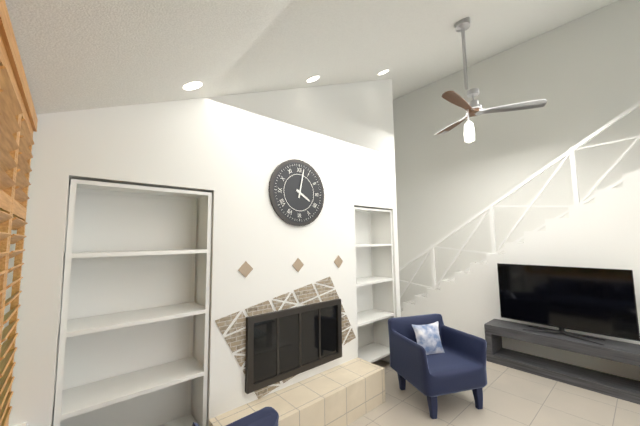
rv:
4.02
